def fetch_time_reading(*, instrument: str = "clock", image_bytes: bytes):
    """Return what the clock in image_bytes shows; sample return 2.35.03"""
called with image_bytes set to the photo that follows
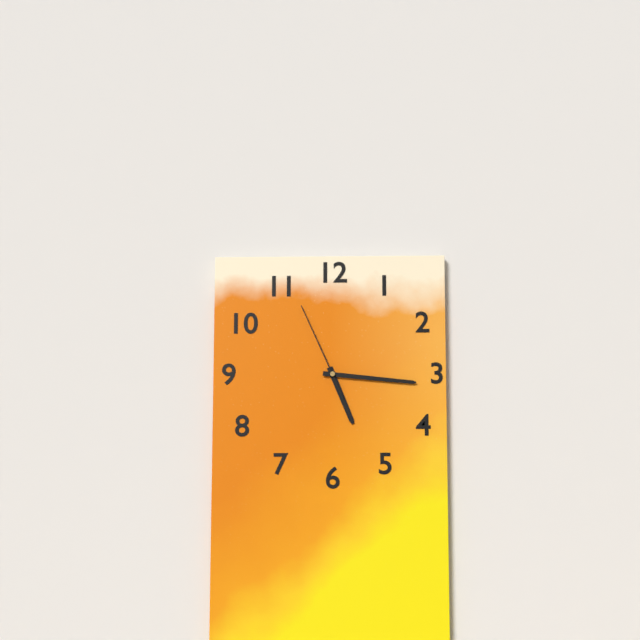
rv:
5.16.56
